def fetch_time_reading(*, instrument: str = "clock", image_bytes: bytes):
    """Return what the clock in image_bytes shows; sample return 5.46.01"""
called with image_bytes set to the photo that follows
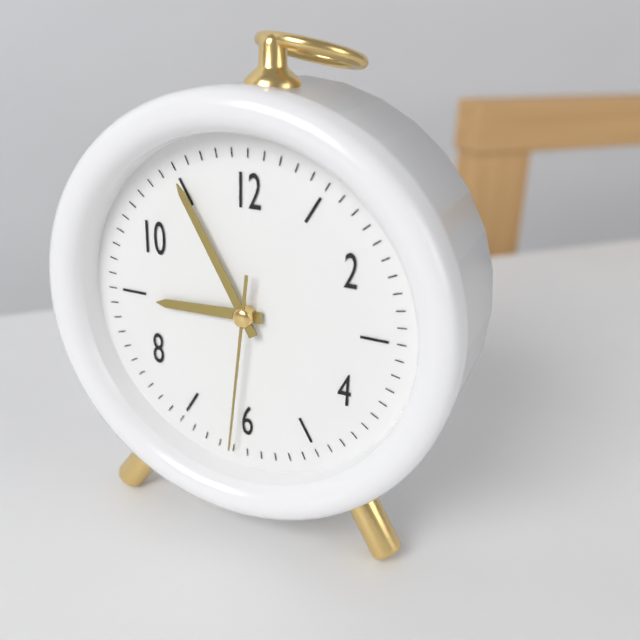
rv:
8.55.31
